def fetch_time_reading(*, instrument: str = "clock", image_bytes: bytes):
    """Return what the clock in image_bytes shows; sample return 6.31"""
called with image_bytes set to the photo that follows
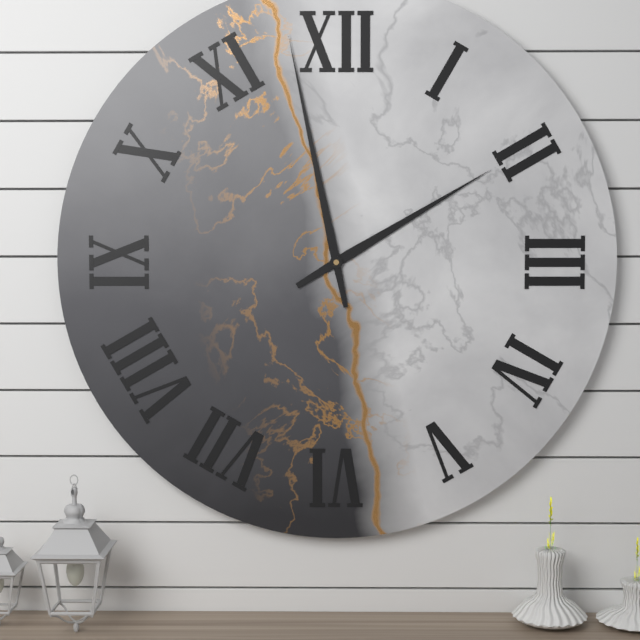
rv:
1.58
